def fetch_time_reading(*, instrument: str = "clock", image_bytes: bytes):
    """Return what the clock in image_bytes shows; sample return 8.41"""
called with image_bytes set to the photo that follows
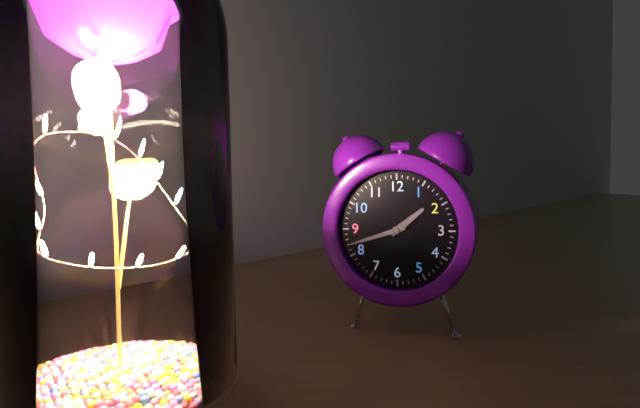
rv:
1.42
